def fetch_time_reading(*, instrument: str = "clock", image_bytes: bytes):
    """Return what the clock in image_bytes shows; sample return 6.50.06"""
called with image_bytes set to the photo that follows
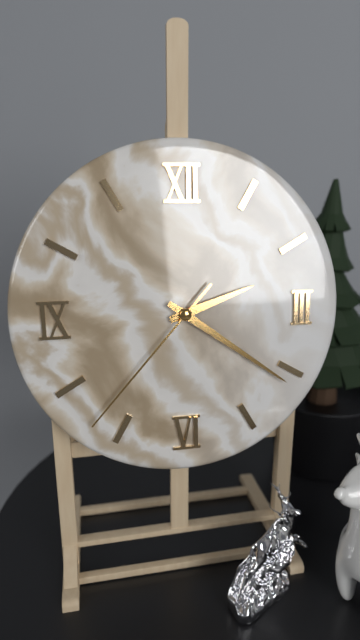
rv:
2.21.37
